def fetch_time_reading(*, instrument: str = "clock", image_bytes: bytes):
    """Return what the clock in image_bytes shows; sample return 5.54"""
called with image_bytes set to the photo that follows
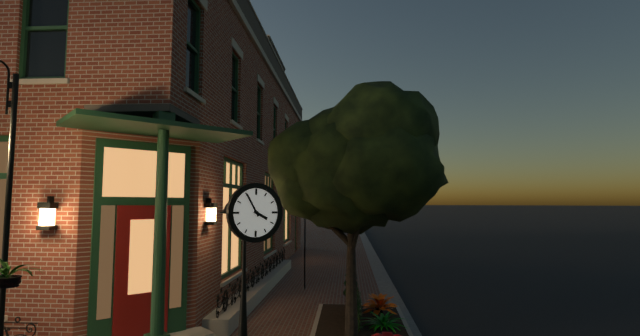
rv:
3.55
